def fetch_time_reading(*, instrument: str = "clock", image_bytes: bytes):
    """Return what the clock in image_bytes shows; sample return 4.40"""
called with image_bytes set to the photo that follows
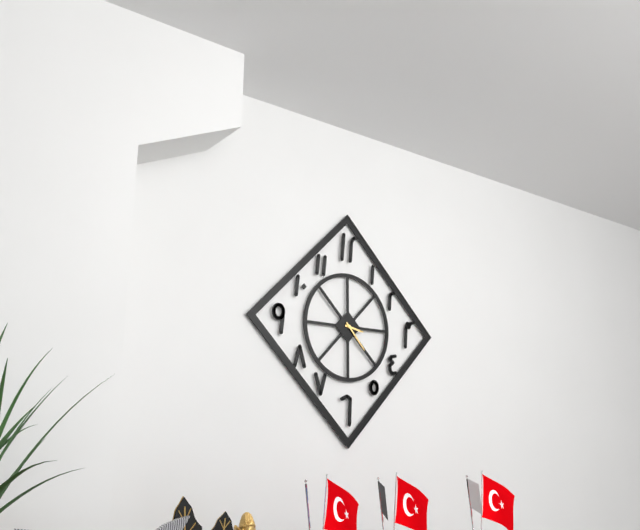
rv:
3.23
